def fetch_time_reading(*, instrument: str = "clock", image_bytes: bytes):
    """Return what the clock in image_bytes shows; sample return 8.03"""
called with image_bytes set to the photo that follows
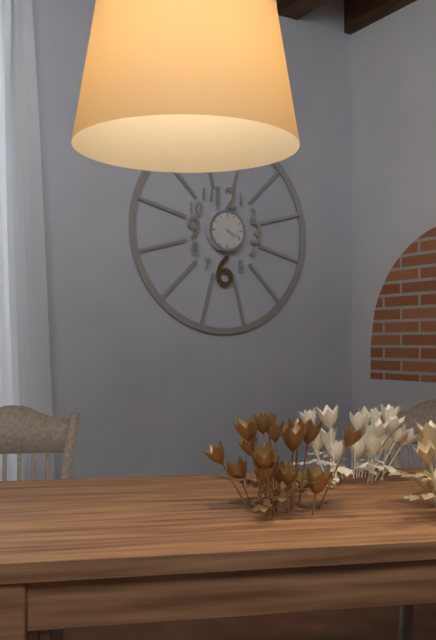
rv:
4.19
